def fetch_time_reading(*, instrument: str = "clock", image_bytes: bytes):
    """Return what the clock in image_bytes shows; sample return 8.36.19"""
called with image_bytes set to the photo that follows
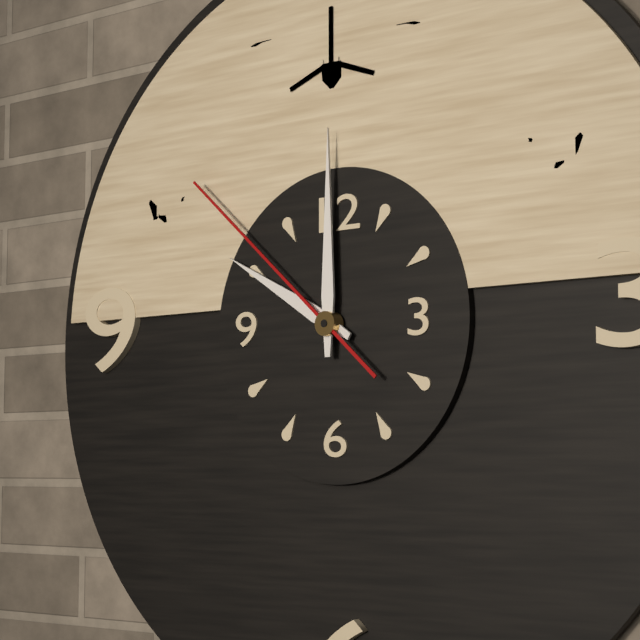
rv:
10.00.52
